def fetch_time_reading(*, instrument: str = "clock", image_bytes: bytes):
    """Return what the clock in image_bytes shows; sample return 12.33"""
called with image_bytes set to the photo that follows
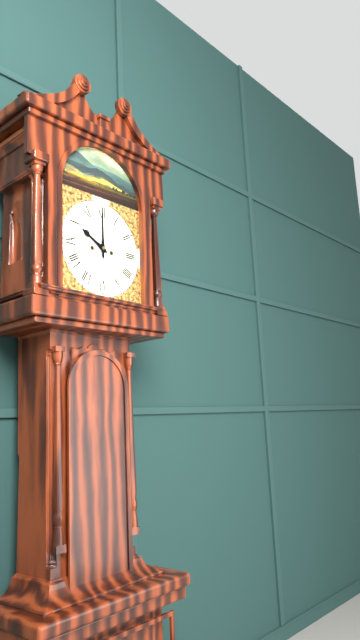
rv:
10.00
